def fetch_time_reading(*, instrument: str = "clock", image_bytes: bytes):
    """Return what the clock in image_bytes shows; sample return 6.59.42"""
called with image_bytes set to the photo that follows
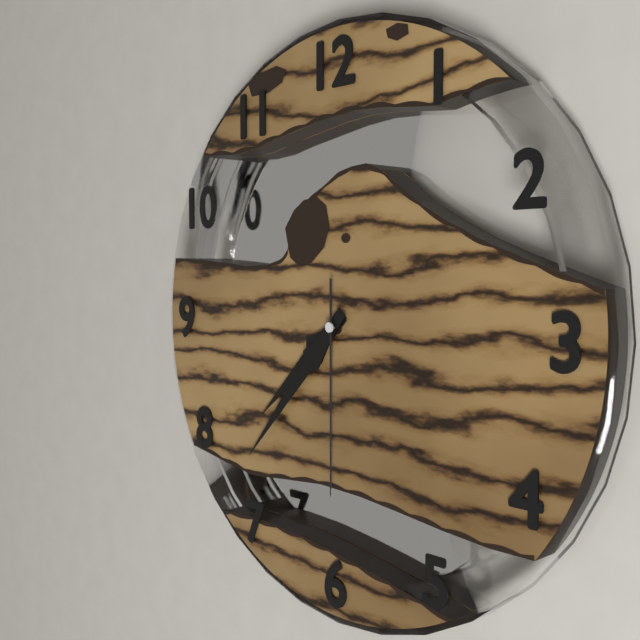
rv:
7.37.30
